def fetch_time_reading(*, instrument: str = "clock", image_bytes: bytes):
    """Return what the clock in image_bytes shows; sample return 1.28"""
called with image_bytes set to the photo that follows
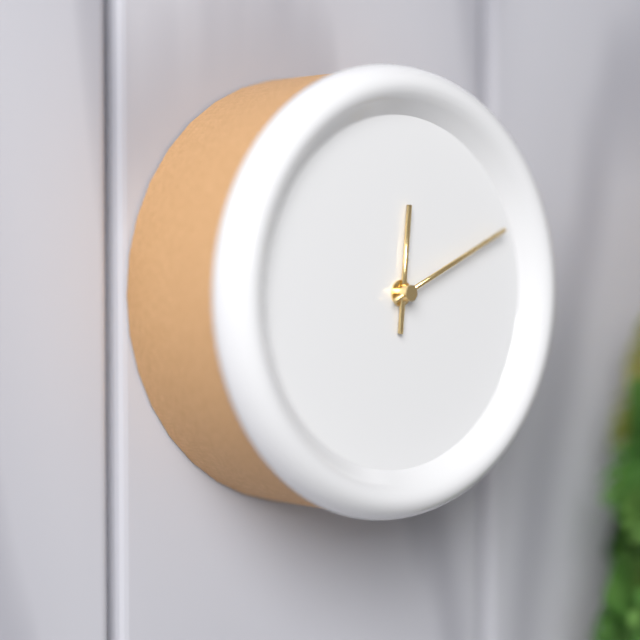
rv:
12.11
